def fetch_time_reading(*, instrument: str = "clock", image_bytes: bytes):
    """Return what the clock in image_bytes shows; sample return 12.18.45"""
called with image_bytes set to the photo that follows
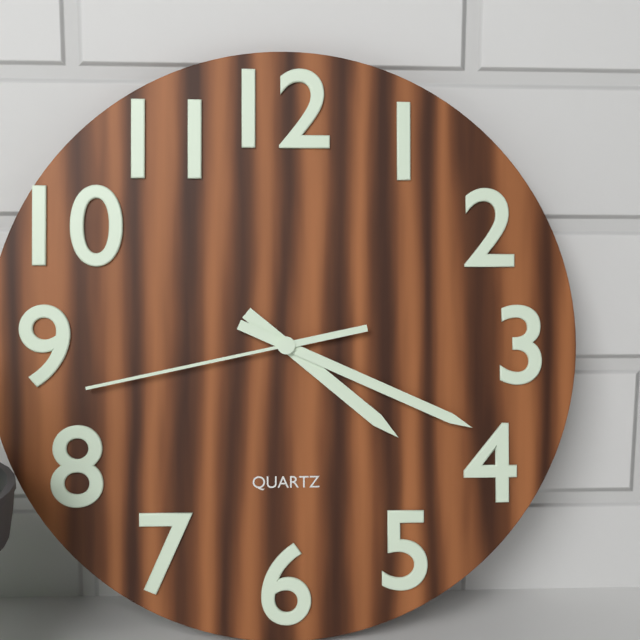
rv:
4.19.43
